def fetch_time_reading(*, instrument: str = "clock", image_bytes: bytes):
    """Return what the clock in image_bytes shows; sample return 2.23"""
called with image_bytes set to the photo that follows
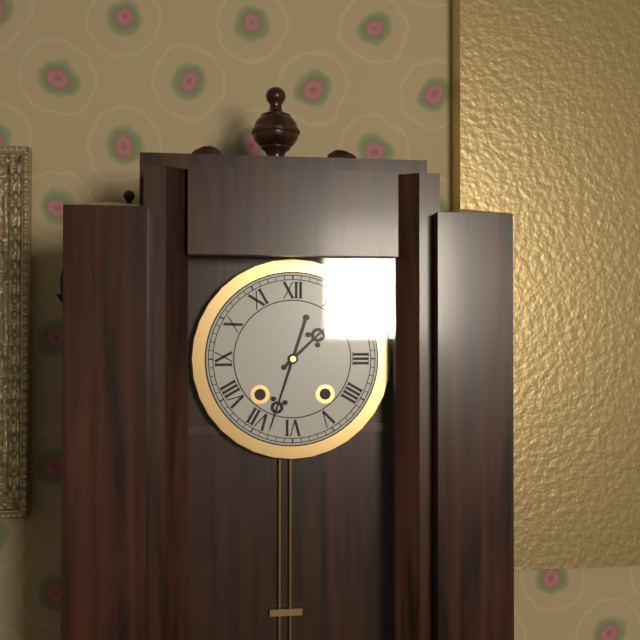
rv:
1.33
